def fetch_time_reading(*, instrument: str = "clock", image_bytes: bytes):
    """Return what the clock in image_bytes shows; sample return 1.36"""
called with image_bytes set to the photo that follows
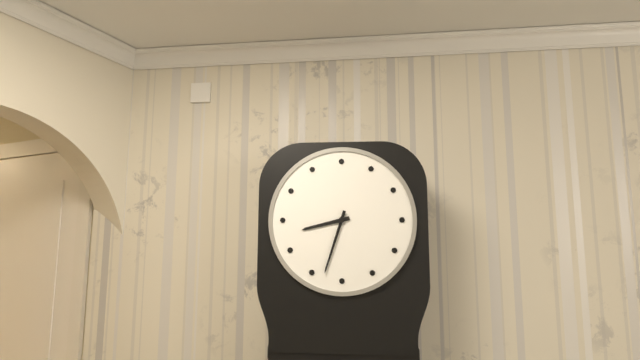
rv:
8.33
